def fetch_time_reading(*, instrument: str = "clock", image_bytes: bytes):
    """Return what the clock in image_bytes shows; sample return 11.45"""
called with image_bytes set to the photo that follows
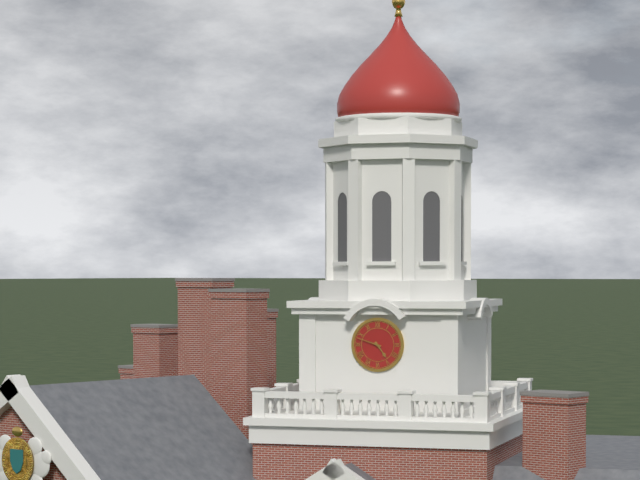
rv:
4.48
